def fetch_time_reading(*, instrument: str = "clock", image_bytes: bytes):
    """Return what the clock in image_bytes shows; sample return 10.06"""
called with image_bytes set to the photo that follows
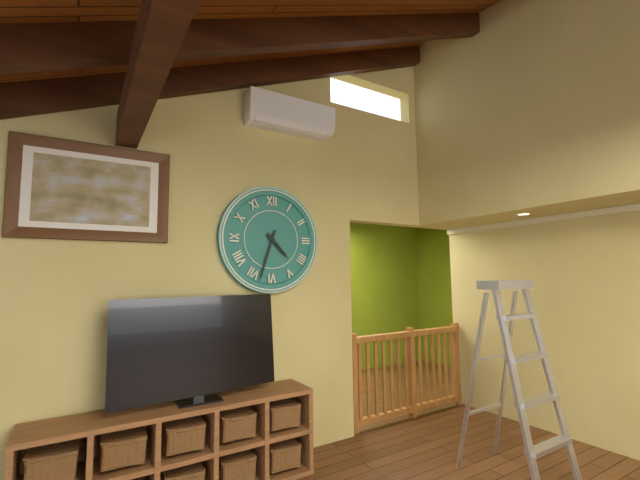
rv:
4.33
